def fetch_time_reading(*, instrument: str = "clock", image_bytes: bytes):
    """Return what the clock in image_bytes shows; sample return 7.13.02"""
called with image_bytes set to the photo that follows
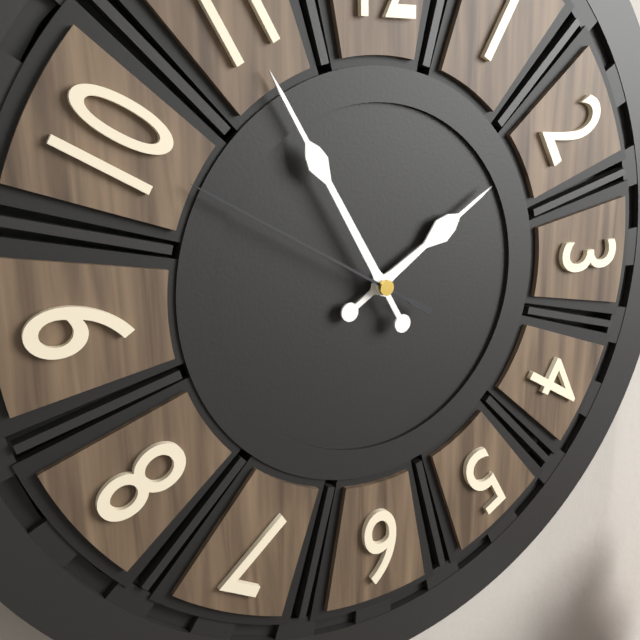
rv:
1.55.50
